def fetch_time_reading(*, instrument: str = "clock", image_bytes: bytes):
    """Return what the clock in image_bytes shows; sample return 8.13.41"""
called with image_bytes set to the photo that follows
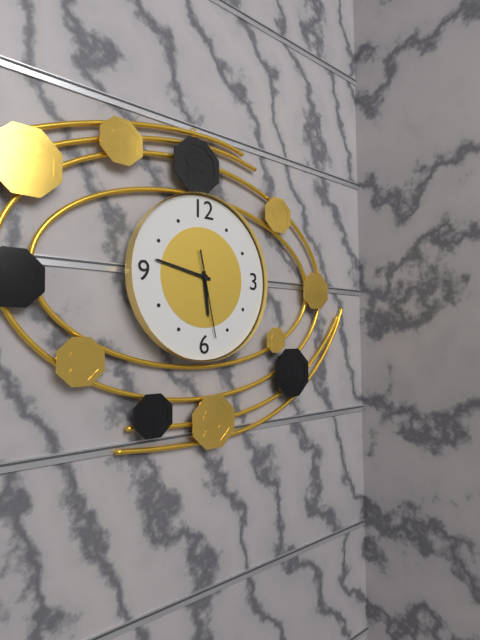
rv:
5.47.28
